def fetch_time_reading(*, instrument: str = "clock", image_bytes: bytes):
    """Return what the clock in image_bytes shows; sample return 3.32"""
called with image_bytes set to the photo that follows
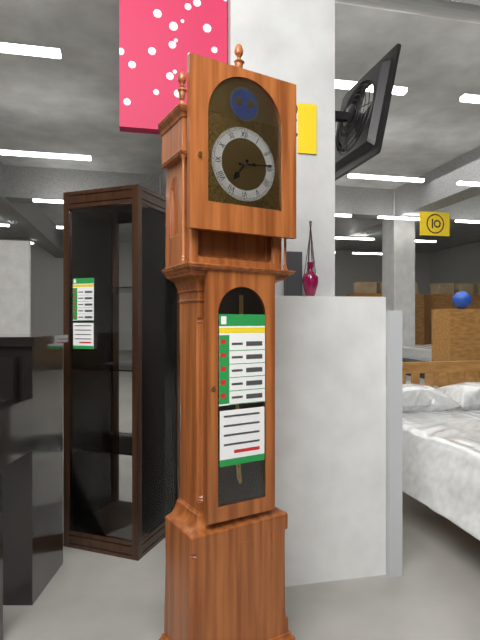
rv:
7.14
